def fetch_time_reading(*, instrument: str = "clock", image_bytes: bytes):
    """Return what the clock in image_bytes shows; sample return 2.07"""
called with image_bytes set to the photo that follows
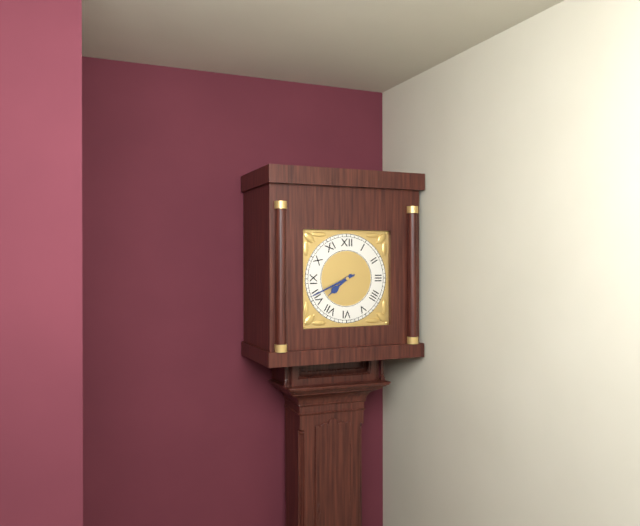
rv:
7.41
